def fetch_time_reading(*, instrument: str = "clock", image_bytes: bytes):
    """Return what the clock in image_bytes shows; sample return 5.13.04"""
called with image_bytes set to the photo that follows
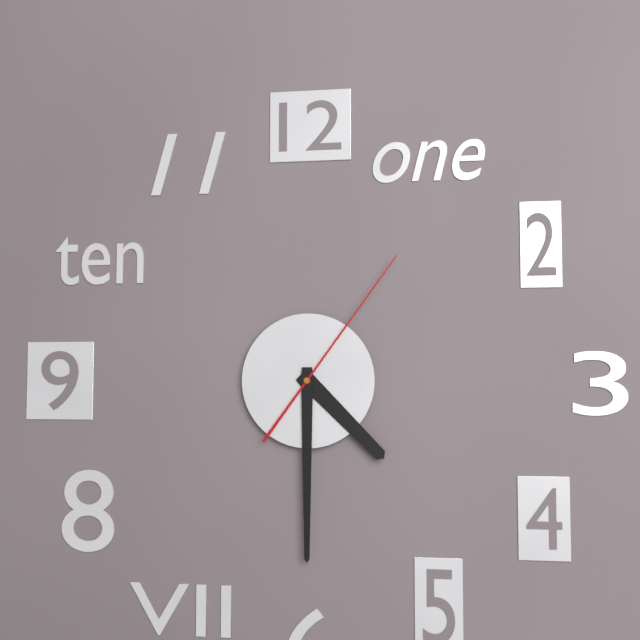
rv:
4.30.06
